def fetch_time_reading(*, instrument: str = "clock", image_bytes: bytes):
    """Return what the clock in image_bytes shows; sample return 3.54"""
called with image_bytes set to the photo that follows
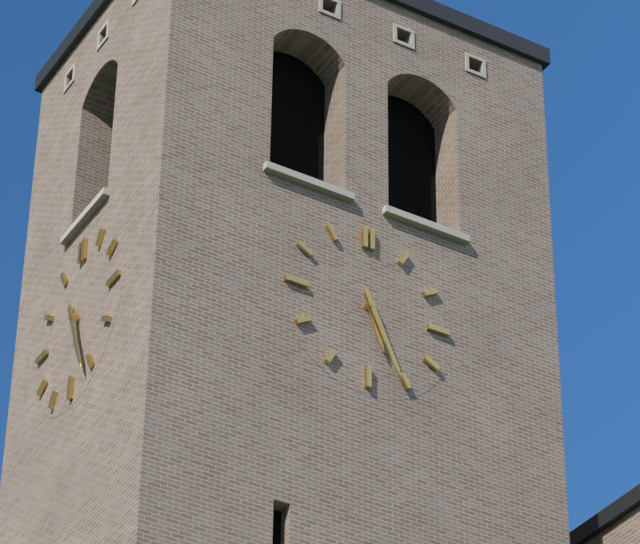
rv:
5.26
